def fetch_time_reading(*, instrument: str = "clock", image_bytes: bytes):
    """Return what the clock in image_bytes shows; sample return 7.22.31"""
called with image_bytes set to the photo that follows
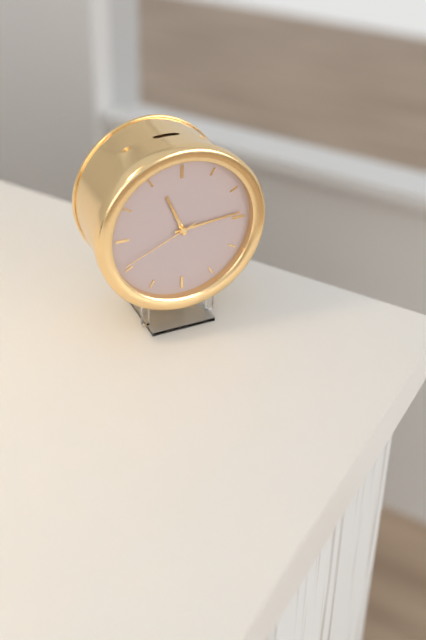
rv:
11.14.41
